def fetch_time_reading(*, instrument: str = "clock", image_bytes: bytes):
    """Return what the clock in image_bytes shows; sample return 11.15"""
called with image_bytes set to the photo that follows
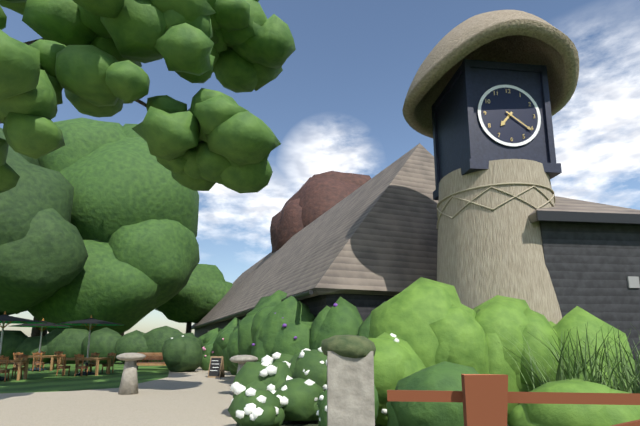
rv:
7.21
